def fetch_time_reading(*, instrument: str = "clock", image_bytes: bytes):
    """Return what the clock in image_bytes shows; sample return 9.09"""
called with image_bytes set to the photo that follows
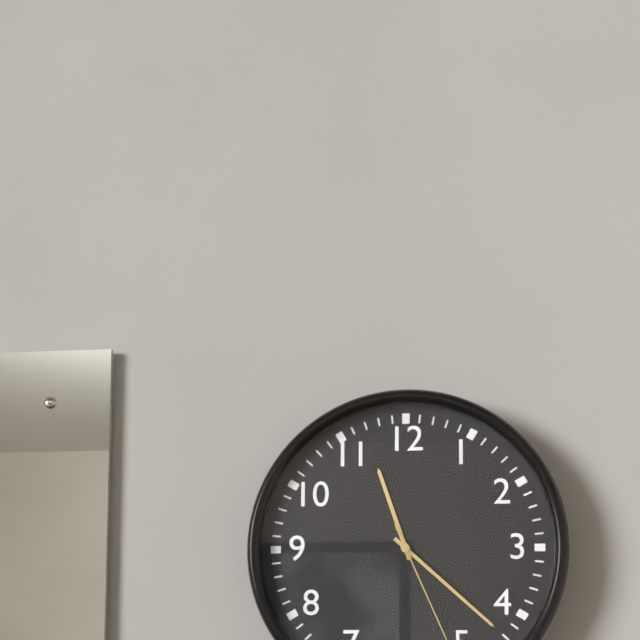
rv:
11.22
